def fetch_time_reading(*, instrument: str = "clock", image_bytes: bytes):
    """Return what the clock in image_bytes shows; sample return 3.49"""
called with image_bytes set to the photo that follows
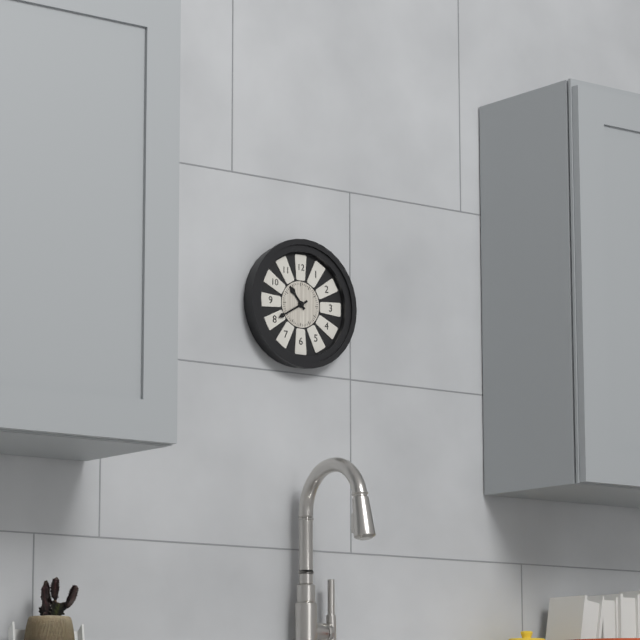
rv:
10.40
